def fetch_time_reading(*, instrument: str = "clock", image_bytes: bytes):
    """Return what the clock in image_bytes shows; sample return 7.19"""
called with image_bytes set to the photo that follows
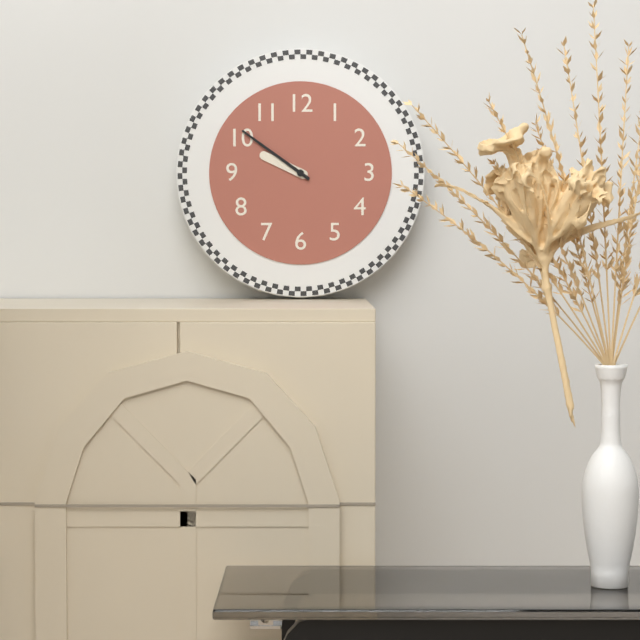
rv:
9.51
